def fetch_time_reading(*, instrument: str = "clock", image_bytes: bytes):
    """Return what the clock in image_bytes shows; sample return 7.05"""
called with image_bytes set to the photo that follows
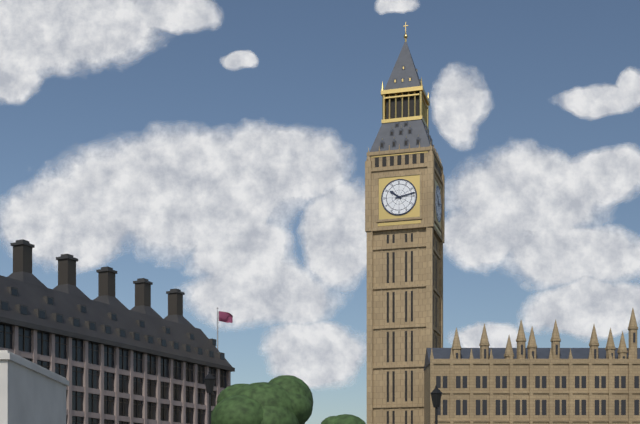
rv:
10.13
